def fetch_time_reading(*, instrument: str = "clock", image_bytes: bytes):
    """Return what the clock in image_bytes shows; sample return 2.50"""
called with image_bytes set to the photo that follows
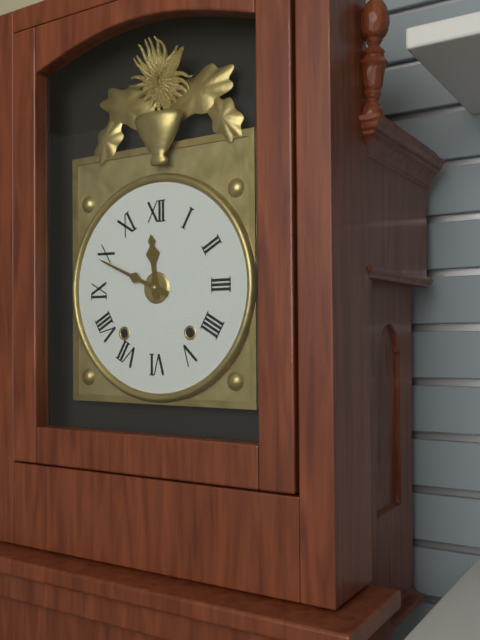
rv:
11.49
